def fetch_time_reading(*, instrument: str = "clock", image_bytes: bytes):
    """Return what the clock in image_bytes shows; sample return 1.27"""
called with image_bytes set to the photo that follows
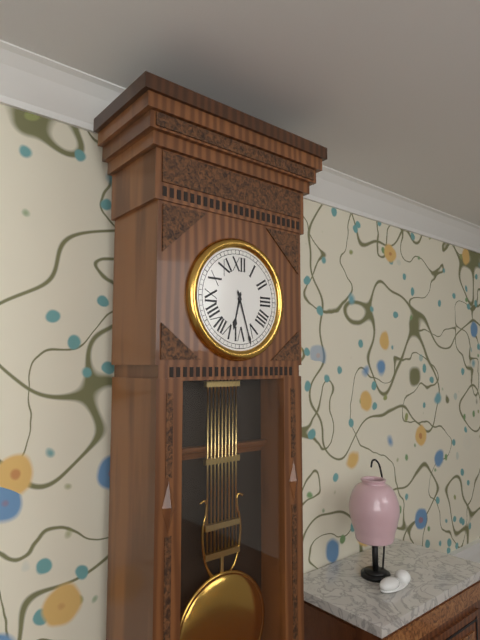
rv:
6.27
